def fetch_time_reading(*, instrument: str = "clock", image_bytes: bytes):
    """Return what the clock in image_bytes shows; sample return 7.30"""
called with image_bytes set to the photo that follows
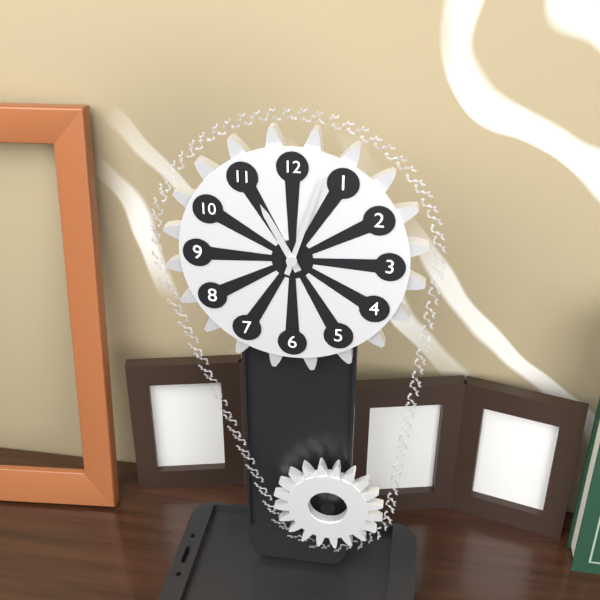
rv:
11.03
